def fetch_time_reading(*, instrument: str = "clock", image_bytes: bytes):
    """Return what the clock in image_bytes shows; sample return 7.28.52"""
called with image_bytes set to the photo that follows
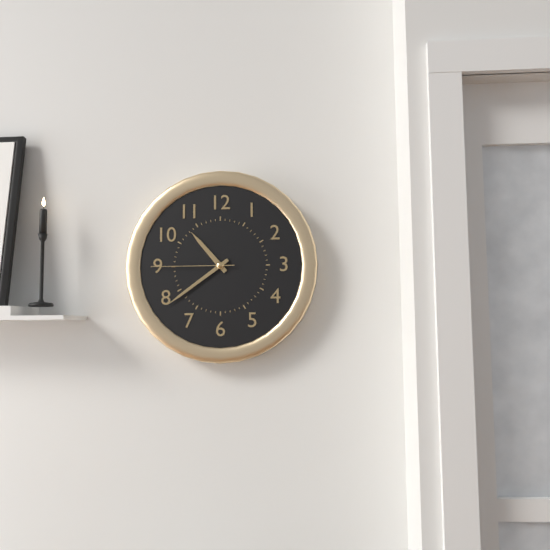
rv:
10.39.45
